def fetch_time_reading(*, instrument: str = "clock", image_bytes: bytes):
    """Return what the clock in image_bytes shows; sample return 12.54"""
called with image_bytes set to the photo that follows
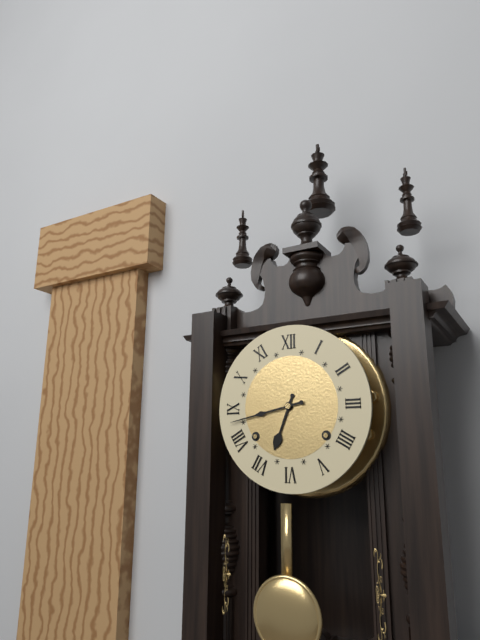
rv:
6.43
